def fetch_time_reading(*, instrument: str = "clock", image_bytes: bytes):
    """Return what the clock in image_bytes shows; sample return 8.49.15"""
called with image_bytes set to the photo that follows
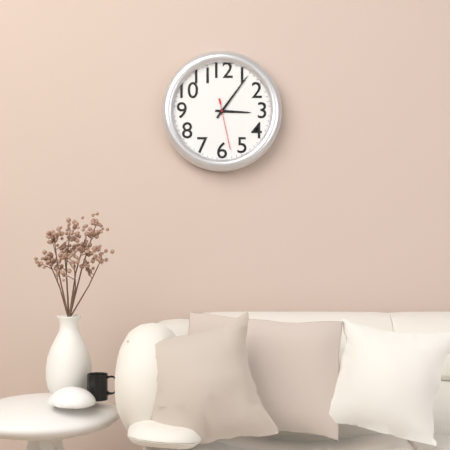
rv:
3.06.28
